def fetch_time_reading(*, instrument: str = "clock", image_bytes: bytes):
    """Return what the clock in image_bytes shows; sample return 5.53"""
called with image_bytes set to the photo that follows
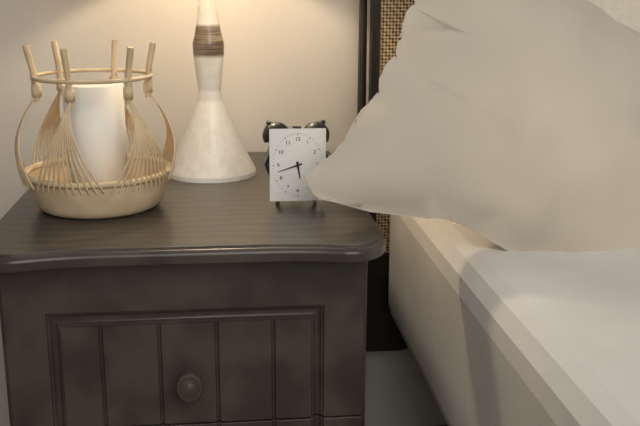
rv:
5.42
